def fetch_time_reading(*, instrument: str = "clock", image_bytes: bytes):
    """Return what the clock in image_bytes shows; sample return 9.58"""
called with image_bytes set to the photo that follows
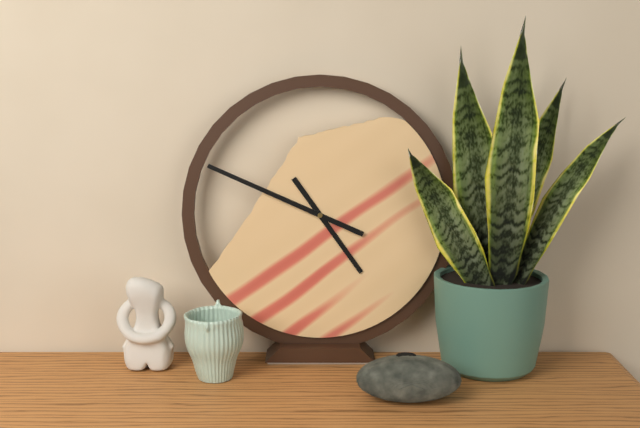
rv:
4.49
